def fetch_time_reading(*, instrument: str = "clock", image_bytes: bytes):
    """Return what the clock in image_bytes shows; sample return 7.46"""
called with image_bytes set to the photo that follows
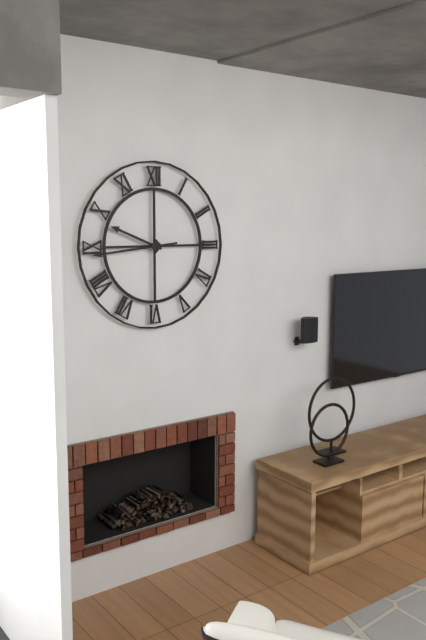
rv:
9.44
